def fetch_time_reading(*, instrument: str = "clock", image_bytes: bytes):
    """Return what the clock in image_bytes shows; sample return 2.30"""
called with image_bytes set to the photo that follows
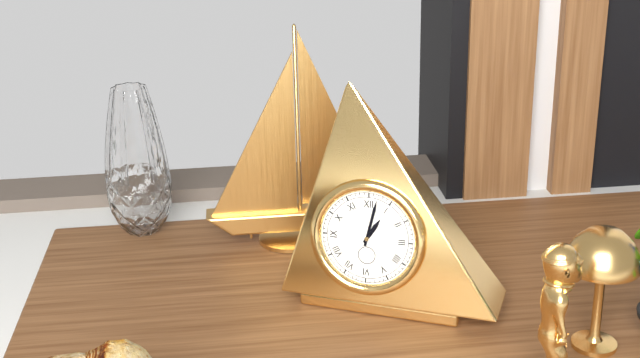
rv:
1.02
